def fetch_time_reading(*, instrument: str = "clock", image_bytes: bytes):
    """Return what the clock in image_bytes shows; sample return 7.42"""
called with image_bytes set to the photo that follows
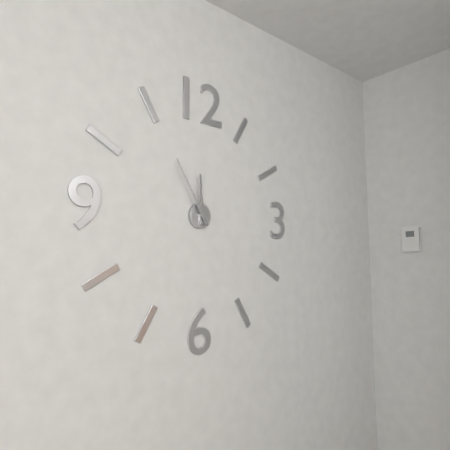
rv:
11.55
